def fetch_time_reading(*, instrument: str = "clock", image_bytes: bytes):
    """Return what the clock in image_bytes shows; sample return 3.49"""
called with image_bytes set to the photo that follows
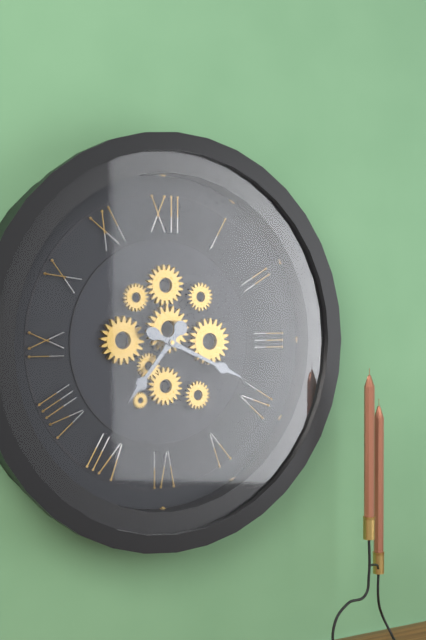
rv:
7.19
